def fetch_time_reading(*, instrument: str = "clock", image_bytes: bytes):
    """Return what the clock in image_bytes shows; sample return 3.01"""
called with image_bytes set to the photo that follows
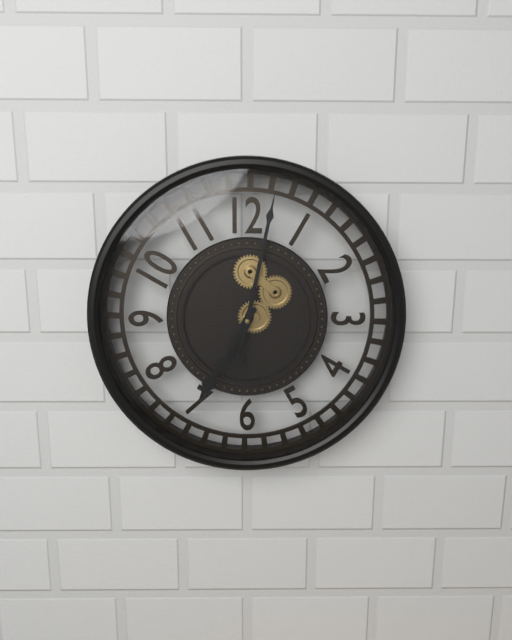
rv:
7.02
